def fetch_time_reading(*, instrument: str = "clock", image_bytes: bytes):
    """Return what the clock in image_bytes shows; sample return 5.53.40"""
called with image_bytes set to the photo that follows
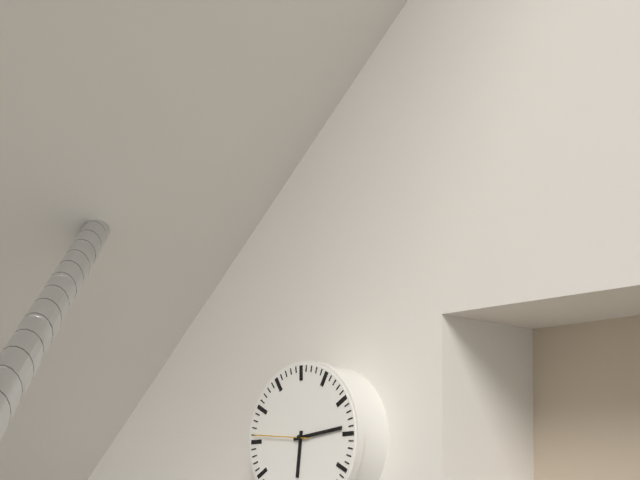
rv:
6.14.46
